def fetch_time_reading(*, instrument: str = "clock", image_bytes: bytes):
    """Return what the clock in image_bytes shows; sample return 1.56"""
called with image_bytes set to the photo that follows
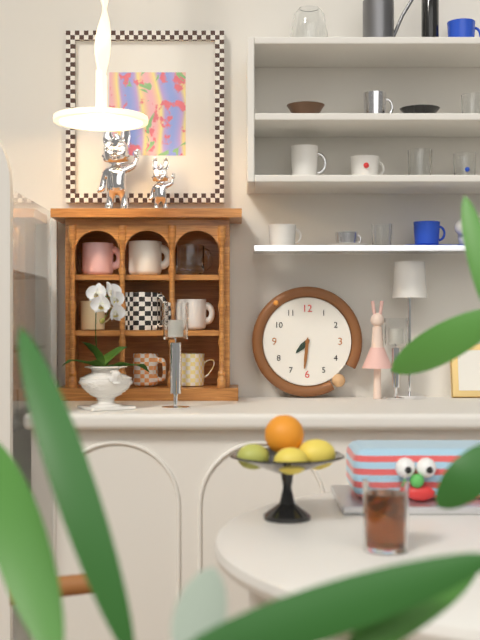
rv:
7.31
